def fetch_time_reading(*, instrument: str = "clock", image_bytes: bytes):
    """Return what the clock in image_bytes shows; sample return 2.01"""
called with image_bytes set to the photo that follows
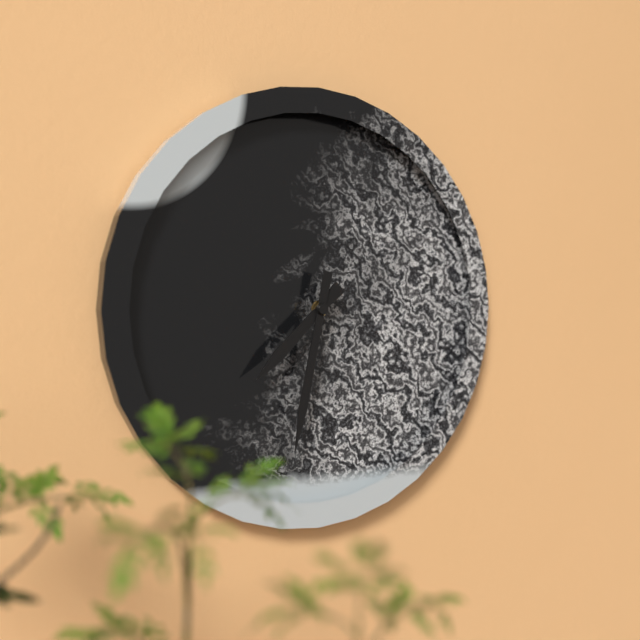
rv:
7.32
